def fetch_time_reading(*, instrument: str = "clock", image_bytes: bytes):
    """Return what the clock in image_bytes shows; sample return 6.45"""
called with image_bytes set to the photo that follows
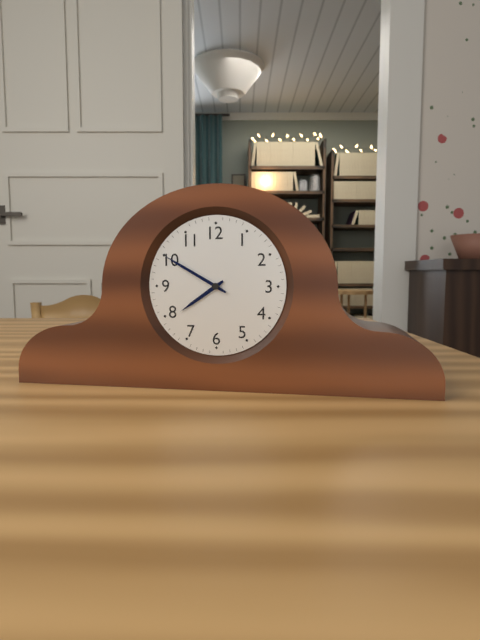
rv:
7.50
